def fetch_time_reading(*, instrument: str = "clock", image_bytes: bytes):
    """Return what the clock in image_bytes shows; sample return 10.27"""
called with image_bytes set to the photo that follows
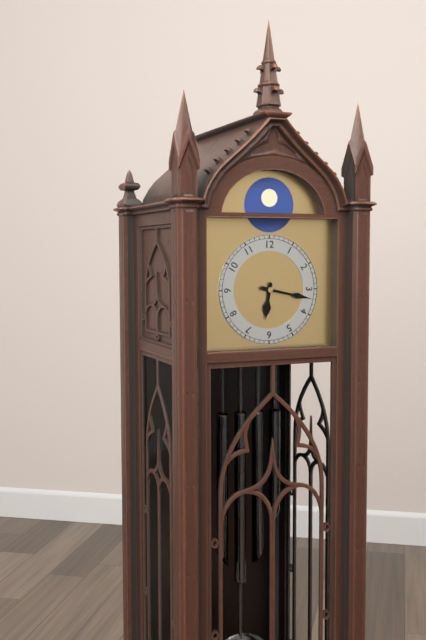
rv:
6.17
